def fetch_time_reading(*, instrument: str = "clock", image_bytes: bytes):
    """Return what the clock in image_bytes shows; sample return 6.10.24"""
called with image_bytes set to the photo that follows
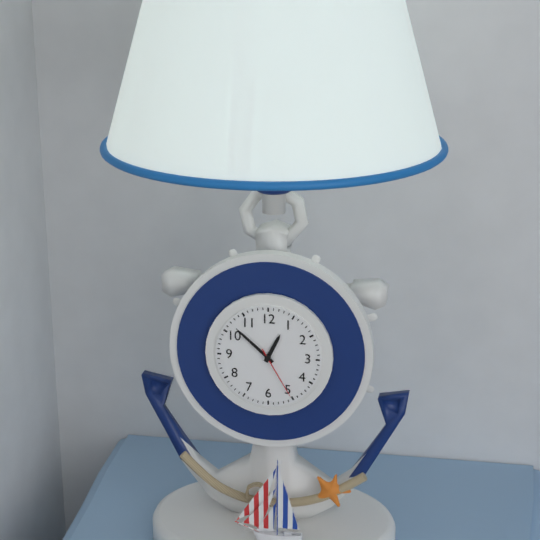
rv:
12.52.25
